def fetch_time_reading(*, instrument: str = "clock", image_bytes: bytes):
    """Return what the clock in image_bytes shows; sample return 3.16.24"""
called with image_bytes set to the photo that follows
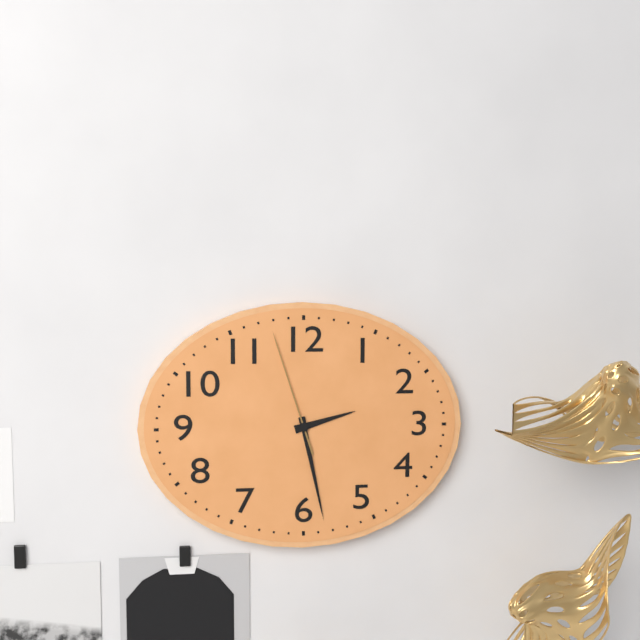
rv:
2.28.57
